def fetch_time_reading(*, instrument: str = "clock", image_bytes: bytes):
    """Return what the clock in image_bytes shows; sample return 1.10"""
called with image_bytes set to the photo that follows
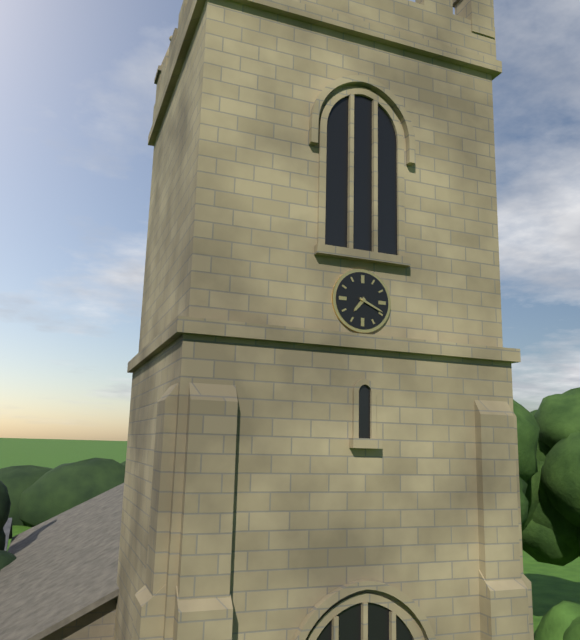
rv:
7.19
